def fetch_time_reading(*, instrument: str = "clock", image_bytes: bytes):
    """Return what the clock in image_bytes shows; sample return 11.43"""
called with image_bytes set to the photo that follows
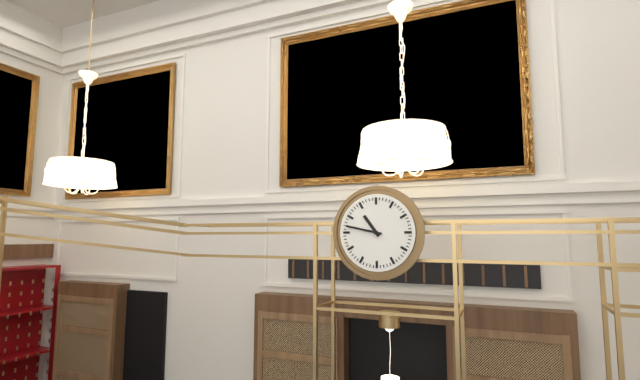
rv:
10.47
